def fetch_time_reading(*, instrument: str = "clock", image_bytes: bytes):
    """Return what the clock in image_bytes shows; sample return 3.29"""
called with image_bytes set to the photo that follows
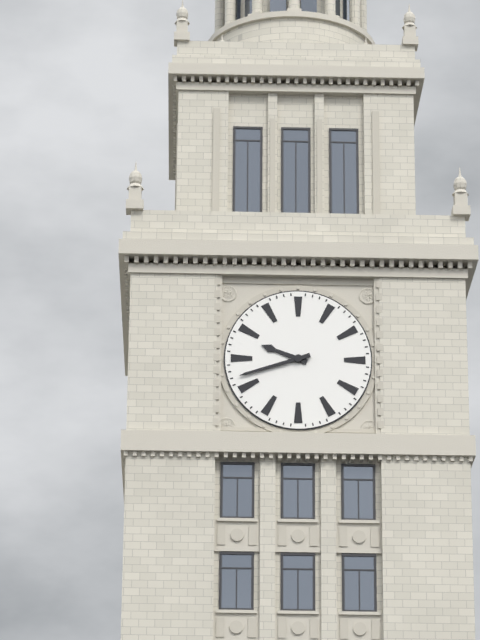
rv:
9.42
